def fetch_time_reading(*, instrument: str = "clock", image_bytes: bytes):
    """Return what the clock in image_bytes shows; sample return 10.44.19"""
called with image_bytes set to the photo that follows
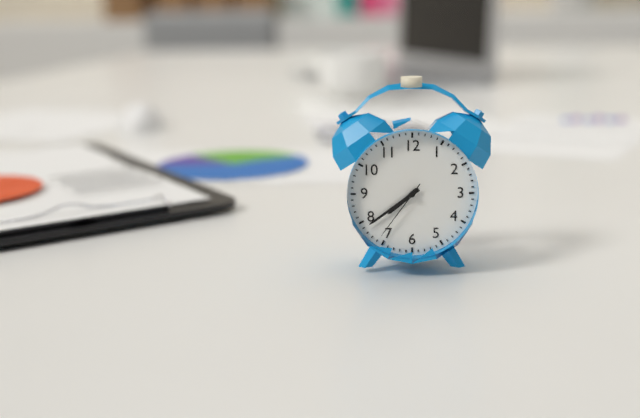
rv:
7.39.36
